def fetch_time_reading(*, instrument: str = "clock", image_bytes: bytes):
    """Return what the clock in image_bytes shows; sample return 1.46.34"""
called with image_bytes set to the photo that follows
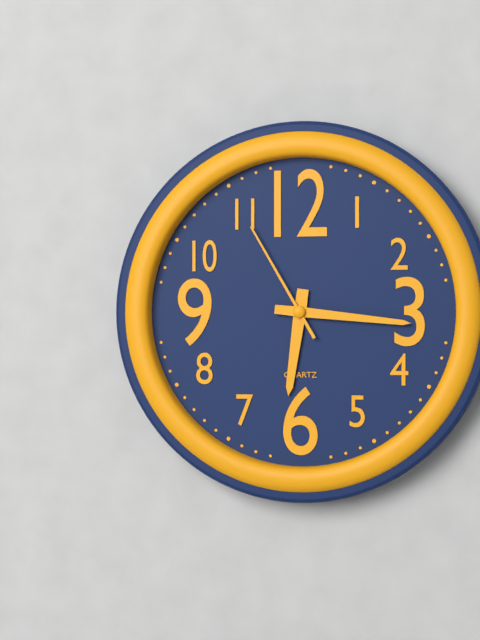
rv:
6.16.55
